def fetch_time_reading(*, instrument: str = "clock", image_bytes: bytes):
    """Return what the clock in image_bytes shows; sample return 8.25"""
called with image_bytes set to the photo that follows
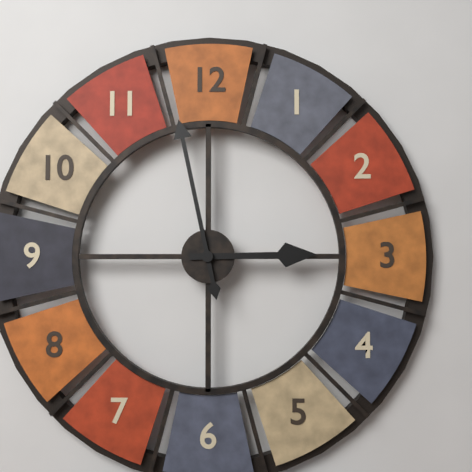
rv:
2.58
